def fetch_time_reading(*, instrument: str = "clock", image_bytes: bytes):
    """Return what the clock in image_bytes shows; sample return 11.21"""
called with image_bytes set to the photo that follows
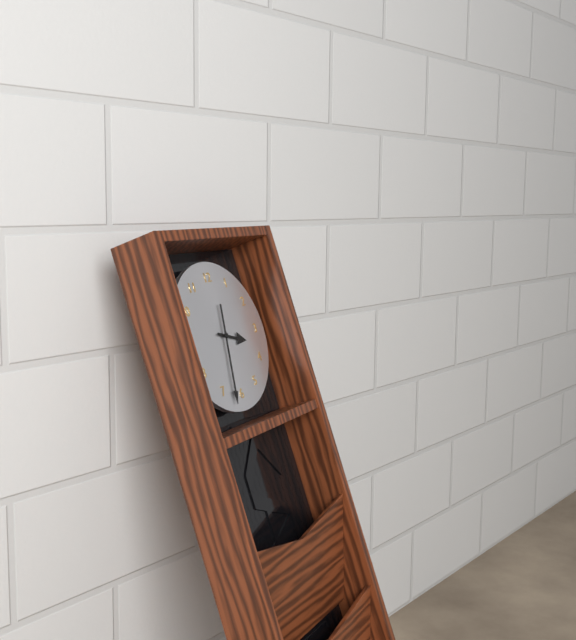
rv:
3.32
